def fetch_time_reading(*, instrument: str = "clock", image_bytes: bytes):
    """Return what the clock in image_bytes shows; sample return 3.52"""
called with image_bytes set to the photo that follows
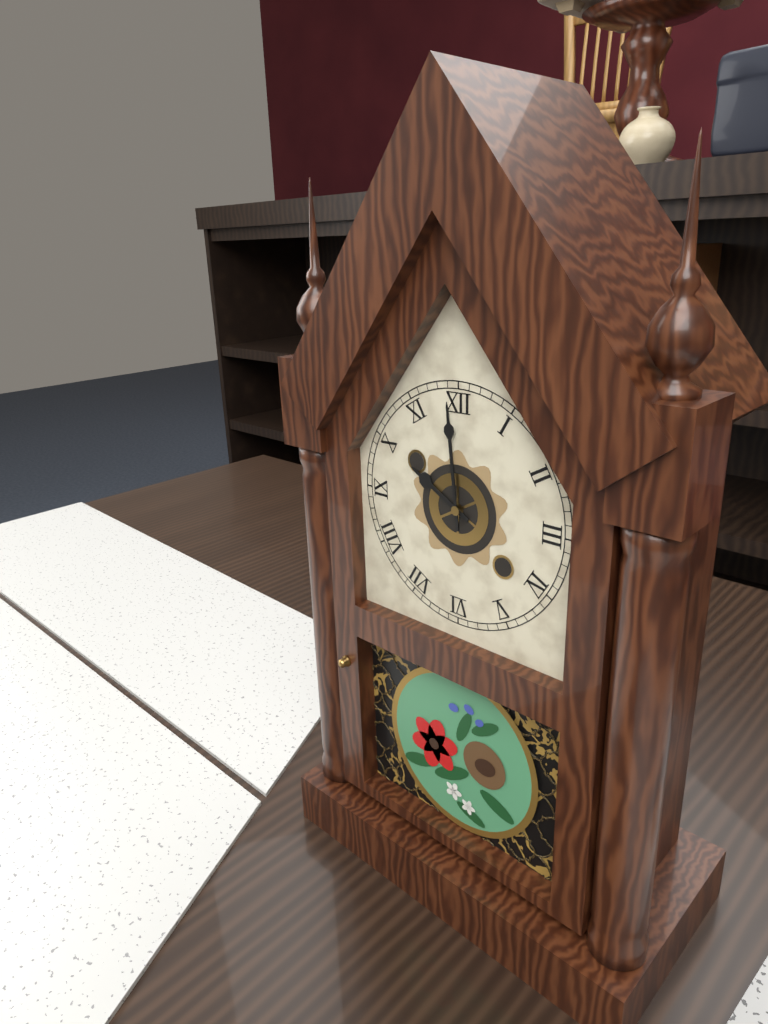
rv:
9.59
